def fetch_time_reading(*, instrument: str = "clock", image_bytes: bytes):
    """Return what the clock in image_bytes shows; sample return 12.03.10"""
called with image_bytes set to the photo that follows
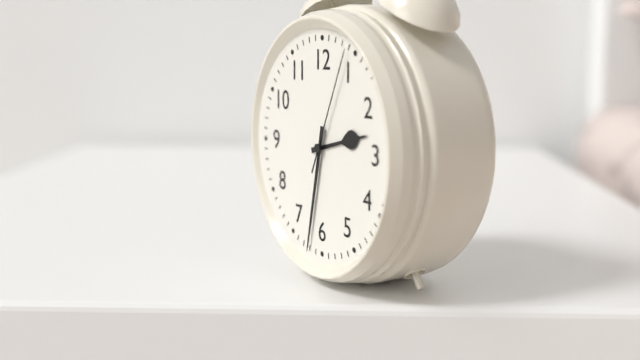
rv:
2.32.04
